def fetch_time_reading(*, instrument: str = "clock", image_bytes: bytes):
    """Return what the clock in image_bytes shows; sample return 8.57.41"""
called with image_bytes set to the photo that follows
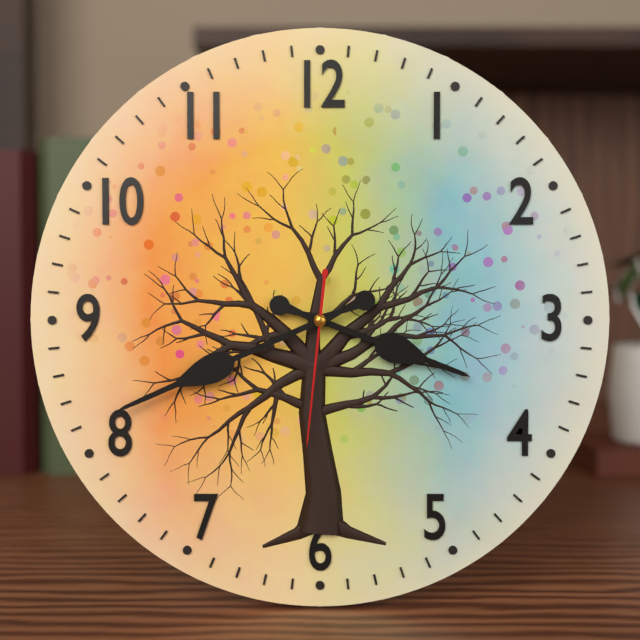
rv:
3.41.31
